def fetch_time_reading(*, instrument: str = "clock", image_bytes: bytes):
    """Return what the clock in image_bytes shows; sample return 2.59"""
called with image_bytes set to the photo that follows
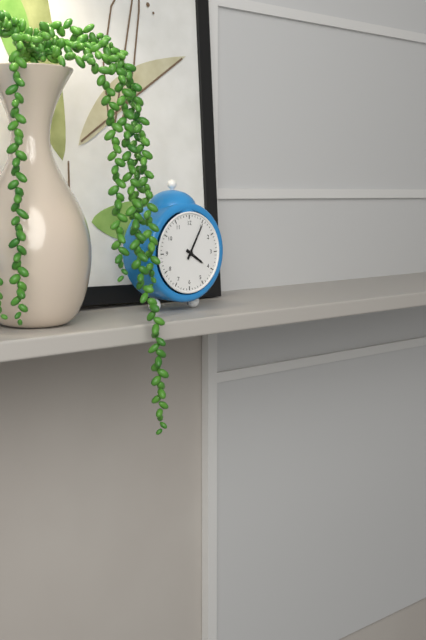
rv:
4.05
